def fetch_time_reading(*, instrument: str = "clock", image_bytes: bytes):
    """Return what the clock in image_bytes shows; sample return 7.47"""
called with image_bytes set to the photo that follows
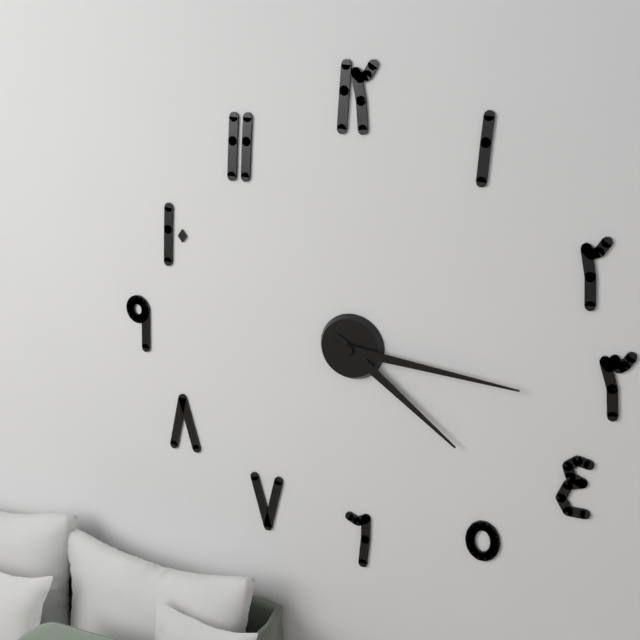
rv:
4.16
